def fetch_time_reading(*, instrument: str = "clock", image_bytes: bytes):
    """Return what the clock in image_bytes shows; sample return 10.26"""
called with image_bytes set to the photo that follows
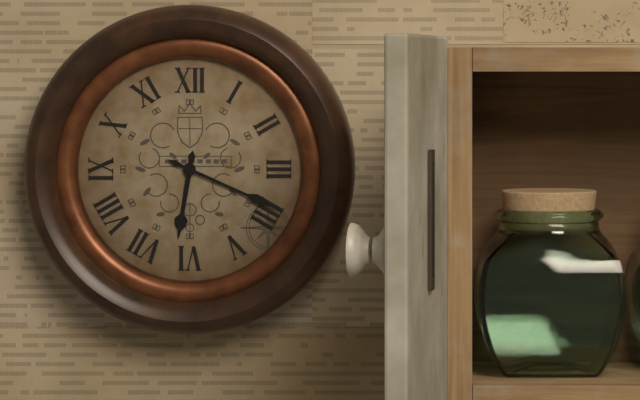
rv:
6.19
